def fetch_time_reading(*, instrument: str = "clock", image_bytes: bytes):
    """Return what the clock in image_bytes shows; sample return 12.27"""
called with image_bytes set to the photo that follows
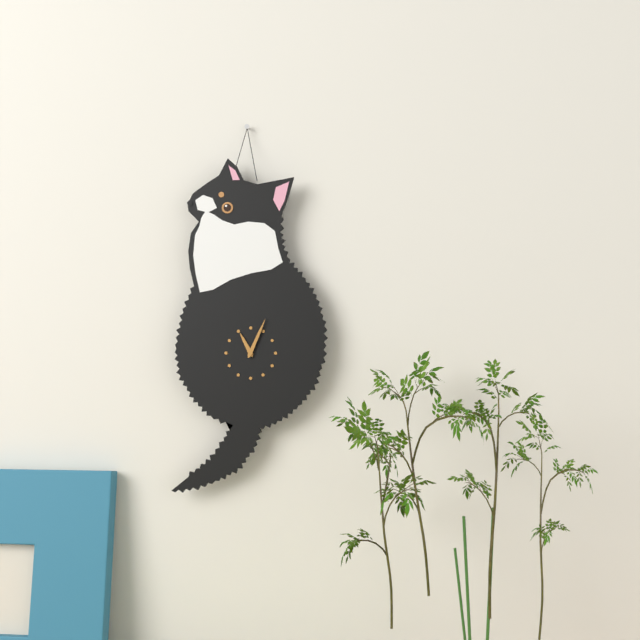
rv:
11.04
